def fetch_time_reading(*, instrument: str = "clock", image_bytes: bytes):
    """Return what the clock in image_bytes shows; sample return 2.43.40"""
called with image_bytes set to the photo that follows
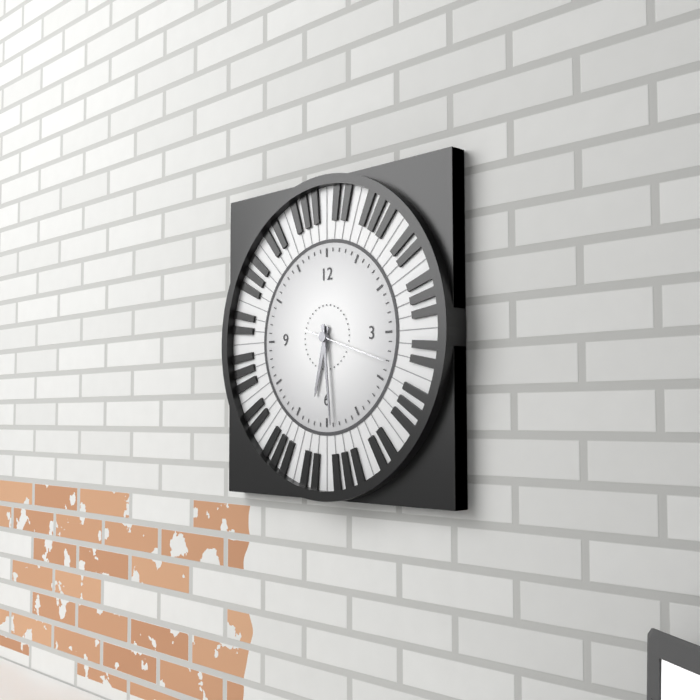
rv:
6.29.18
